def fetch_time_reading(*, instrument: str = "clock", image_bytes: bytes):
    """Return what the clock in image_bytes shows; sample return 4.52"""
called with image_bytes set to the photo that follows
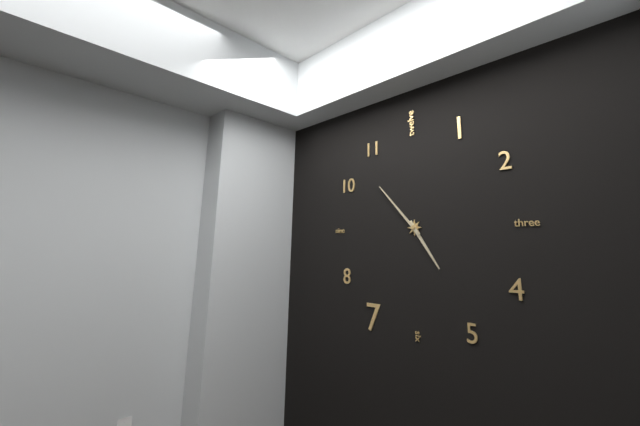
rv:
4.53
